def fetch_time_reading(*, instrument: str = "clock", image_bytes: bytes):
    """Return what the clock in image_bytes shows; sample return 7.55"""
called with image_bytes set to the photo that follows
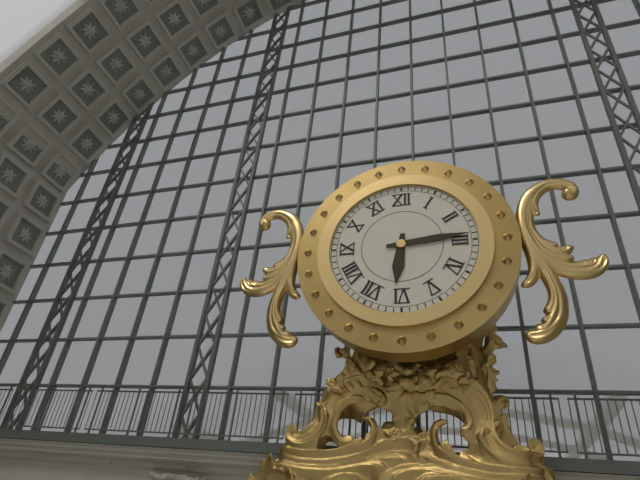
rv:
6.14
